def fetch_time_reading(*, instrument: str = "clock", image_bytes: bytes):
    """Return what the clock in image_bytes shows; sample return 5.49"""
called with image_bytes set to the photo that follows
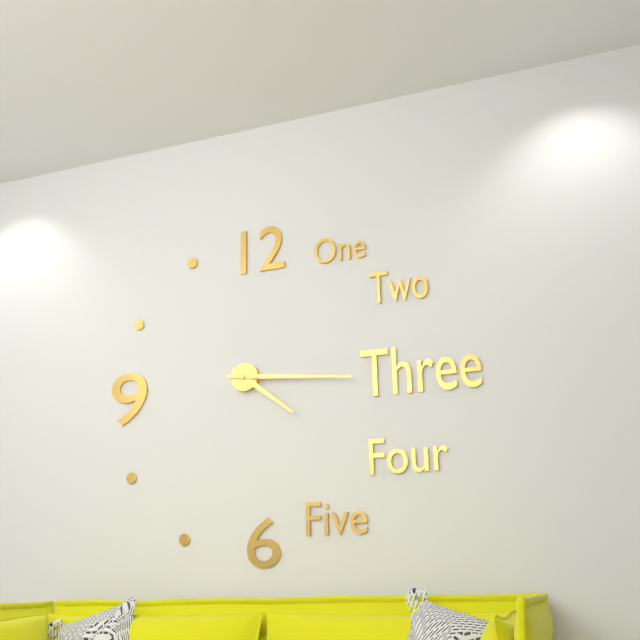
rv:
4.16
